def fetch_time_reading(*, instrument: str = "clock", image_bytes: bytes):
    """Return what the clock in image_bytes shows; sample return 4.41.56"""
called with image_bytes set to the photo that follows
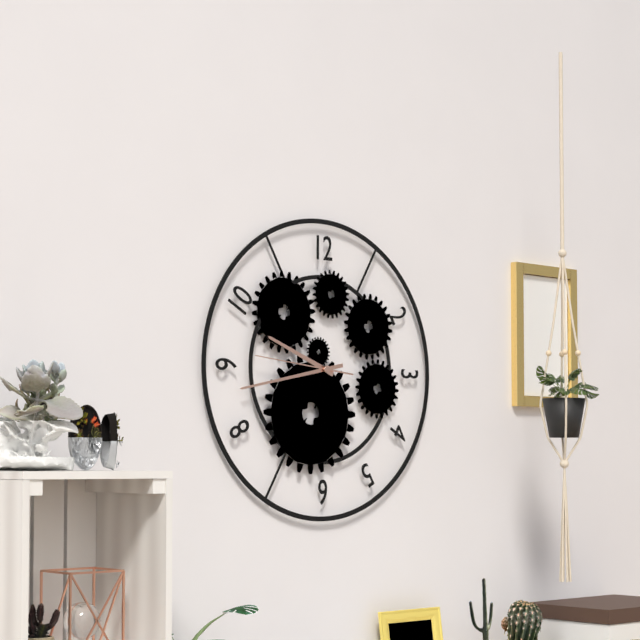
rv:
9.43.46
